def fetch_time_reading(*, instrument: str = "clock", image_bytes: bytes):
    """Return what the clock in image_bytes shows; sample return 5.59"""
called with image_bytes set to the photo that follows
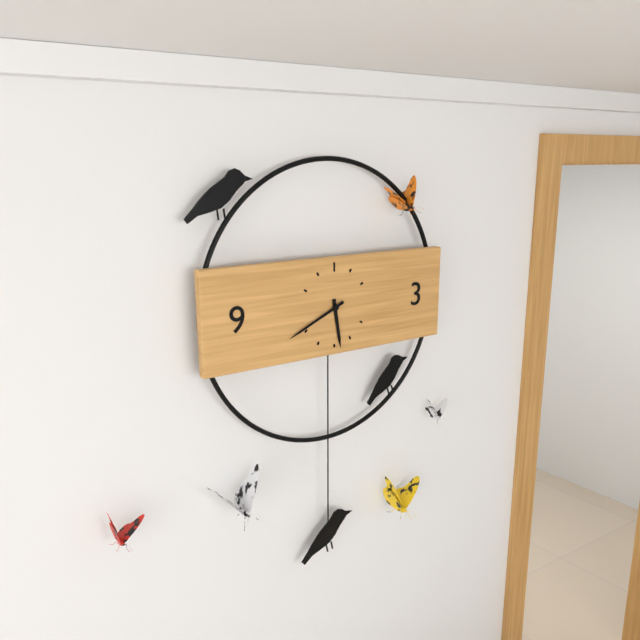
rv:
5.41
